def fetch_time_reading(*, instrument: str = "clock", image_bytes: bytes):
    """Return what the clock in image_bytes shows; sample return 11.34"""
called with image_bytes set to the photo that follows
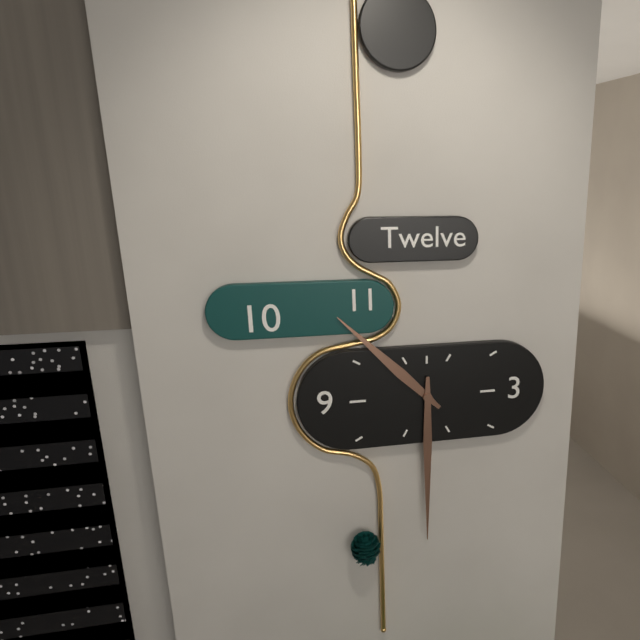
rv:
10.30
